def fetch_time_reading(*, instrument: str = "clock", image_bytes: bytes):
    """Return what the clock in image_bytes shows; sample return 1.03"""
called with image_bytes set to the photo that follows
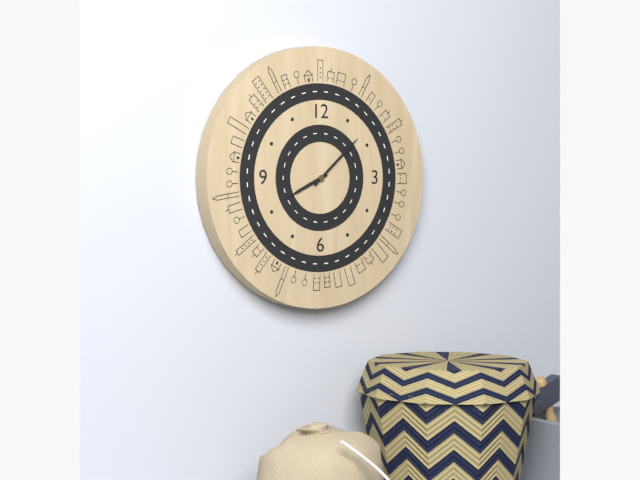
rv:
8.08
